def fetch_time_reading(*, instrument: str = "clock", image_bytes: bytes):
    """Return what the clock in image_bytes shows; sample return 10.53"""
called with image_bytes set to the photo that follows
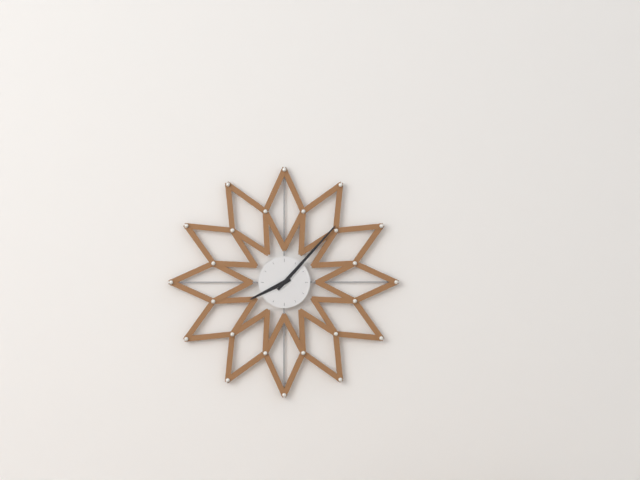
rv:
8.07
